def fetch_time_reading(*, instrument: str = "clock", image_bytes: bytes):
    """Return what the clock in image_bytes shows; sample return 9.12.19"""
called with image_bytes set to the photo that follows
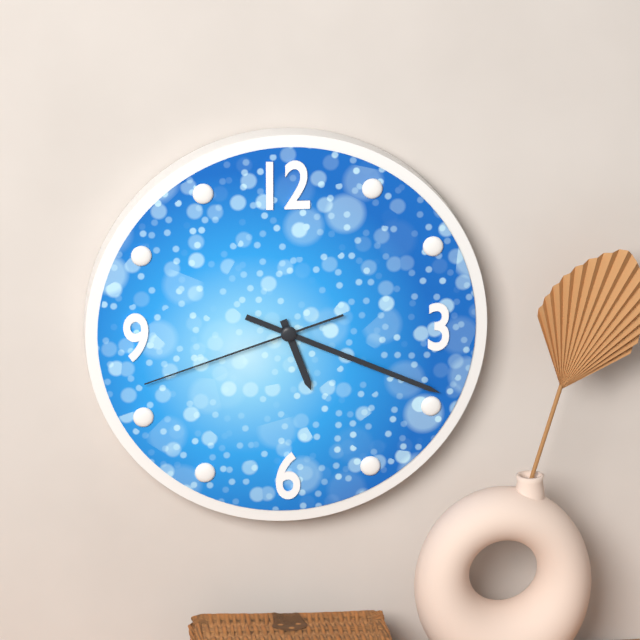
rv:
5.19.42
